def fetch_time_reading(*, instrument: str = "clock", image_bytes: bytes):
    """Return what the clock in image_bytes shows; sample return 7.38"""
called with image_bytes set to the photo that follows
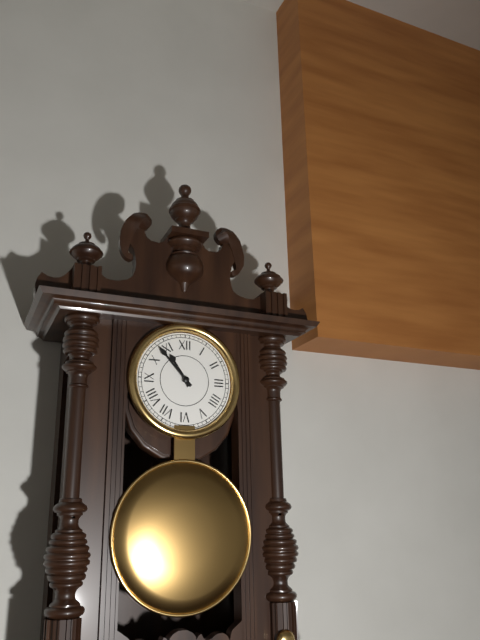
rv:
10.53
